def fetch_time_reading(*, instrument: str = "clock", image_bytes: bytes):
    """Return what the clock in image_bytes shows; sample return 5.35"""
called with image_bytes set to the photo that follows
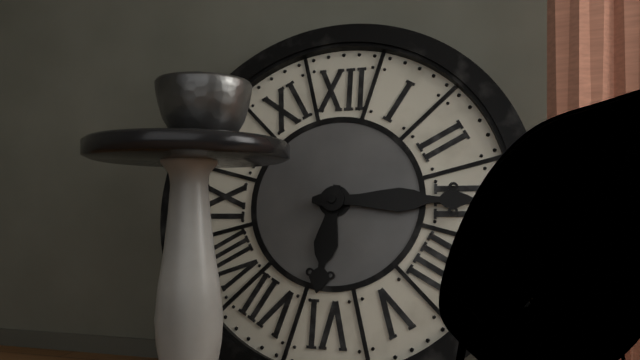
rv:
6.15
